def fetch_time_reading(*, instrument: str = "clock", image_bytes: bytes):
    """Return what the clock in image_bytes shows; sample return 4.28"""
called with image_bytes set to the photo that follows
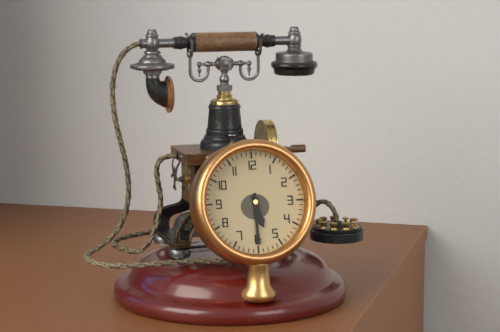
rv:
5.30
